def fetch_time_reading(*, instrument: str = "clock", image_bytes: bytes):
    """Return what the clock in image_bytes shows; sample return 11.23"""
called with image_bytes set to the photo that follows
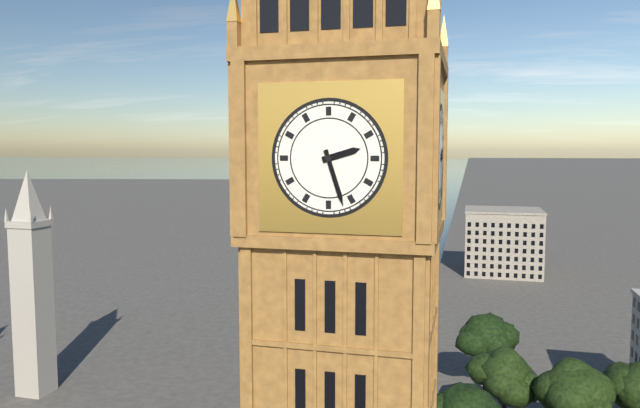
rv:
2.27
